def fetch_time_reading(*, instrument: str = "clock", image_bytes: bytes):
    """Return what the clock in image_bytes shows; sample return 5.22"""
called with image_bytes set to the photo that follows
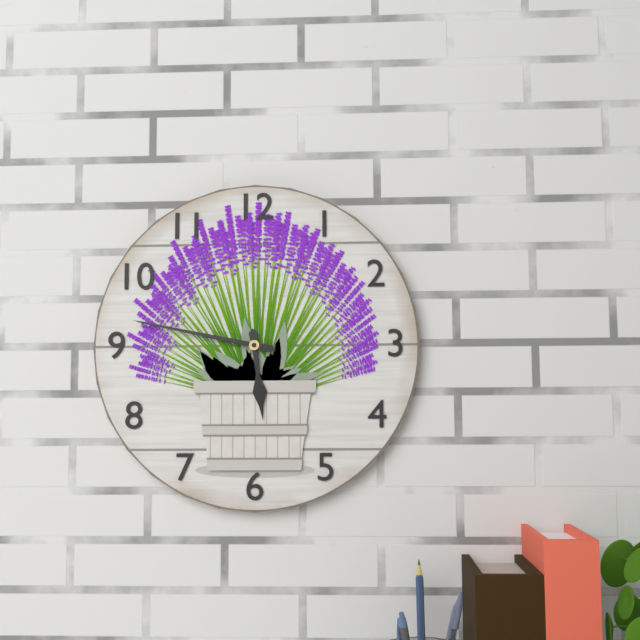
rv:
5.47
